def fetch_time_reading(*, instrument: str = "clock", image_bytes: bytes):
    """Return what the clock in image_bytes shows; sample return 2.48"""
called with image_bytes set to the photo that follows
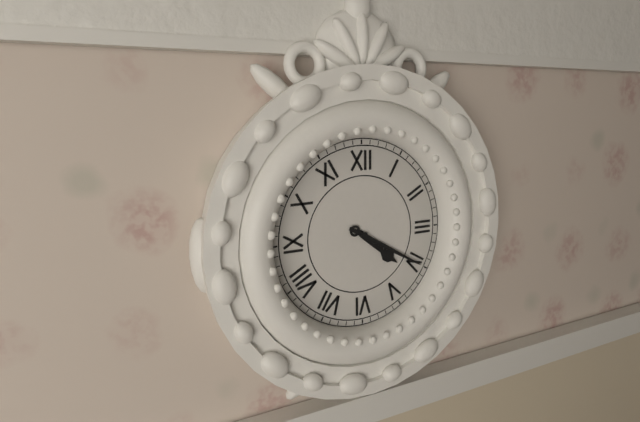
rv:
4.20
